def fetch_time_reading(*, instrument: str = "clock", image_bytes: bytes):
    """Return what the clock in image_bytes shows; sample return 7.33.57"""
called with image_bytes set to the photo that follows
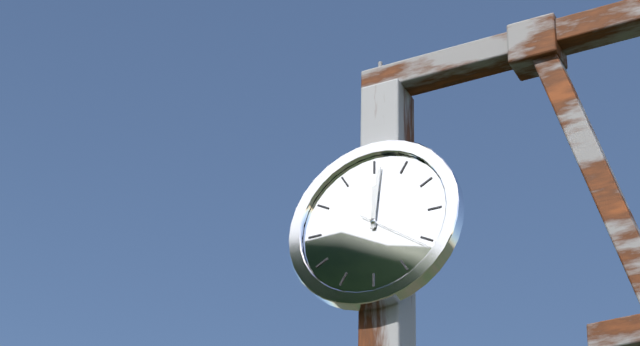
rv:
12.01.21
